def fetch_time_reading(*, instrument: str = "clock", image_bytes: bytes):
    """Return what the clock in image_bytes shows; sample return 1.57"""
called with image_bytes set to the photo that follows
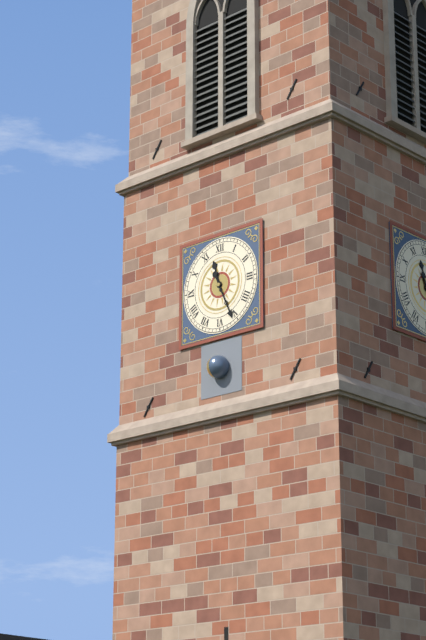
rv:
11.26
